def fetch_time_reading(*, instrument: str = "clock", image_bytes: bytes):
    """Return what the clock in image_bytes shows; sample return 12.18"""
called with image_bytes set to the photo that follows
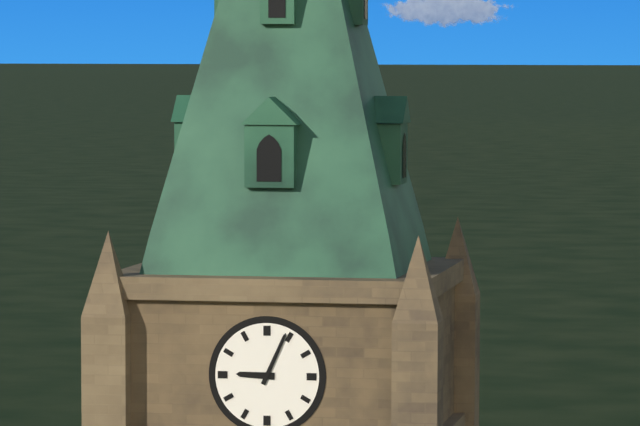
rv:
9.04
